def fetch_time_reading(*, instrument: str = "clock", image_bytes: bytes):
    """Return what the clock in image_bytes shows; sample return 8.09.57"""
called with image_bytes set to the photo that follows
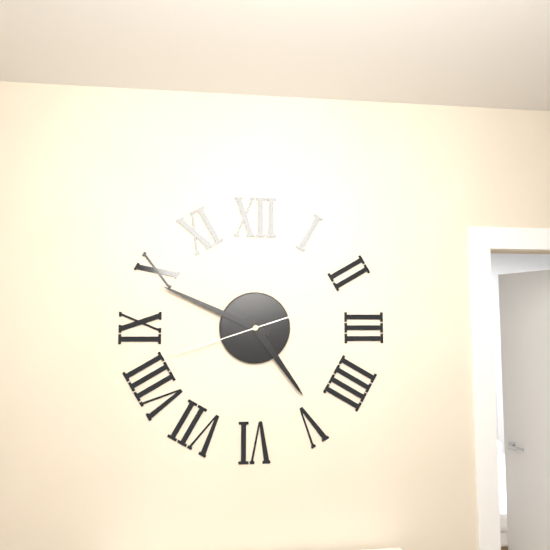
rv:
4.49.42
